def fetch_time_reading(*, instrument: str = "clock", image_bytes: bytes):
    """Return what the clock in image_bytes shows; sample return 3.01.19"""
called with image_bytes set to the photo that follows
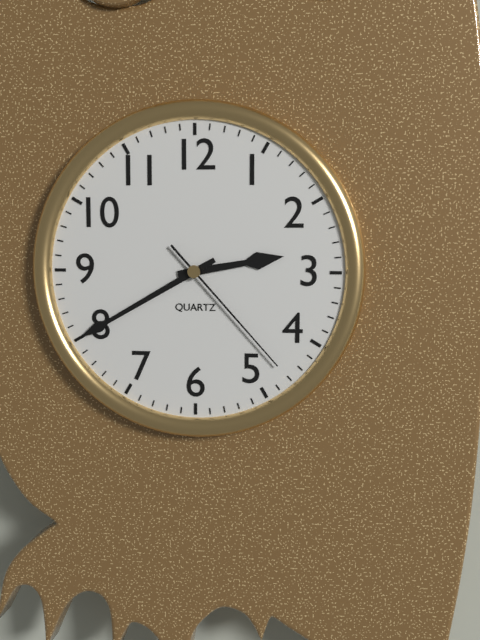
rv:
2.40.23
